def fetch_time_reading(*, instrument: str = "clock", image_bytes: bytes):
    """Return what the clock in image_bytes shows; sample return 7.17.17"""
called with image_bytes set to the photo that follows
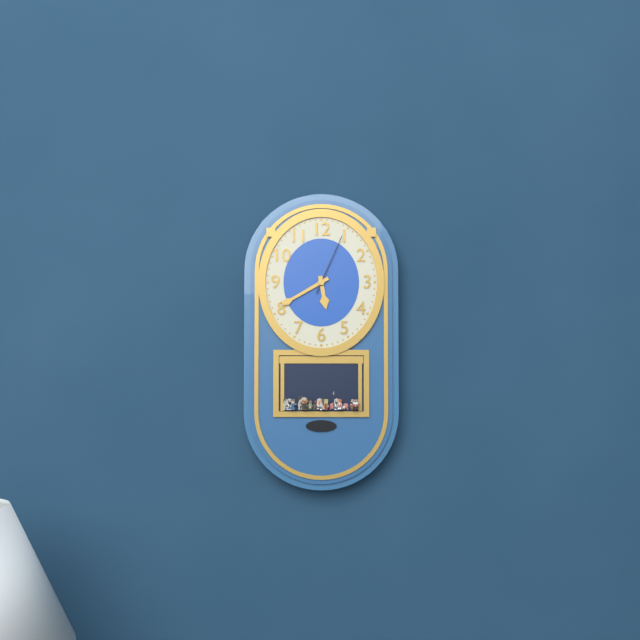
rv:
5.40.04
